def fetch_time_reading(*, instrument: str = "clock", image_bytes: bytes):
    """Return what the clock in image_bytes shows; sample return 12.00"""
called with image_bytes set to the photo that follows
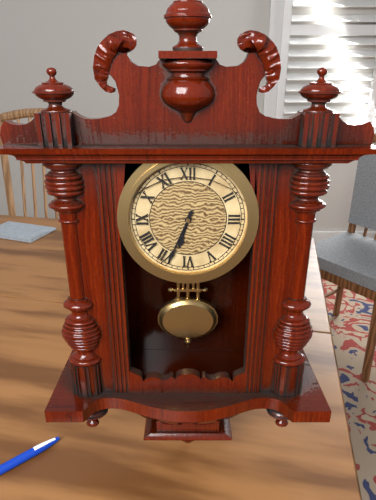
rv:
6.34
